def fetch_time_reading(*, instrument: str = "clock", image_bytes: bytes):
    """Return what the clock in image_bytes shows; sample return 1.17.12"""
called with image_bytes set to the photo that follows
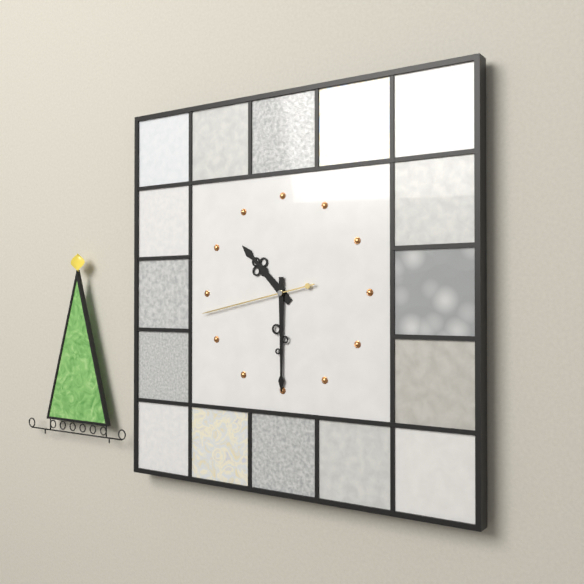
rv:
10.30.43
